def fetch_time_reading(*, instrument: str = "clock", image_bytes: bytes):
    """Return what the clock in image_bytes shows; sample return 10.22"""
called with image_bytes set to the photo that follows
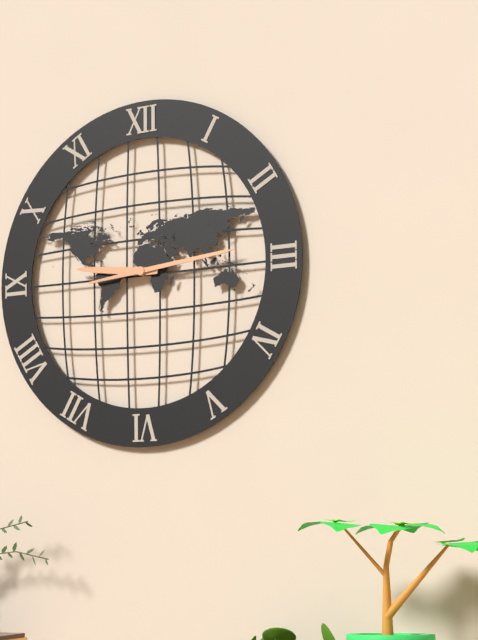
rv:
9.14
